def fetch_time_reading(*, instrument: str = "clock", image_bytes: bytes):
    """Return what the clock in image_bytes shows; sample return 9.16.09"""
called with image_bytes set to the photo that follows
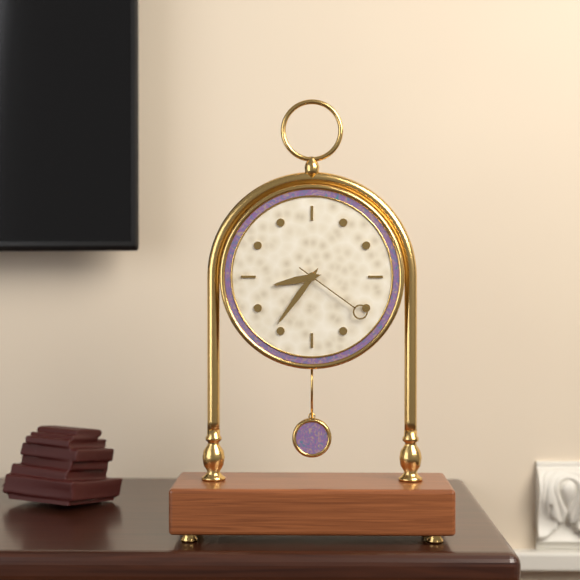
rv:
8.36.21
